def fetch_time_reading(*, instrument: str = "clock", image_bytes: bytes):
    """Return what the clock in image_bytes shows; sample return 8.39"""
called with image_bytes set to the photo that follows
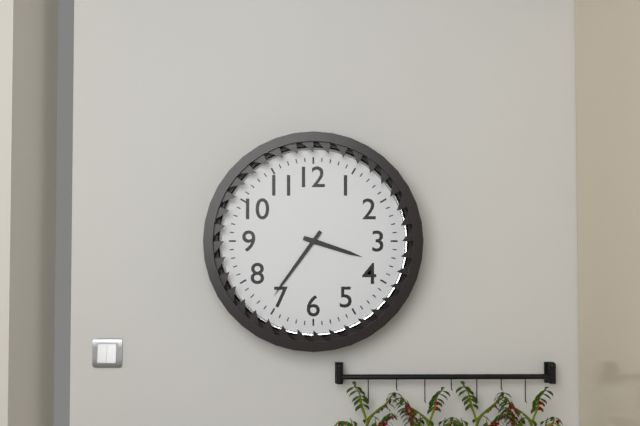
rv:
3.36
